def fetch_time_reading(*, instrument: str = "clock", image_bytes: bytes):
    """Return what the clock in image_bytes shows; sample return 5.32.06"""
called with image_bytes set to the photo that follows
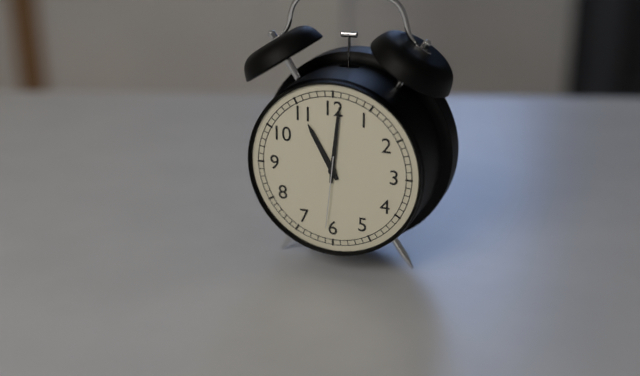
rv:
11.01.31
